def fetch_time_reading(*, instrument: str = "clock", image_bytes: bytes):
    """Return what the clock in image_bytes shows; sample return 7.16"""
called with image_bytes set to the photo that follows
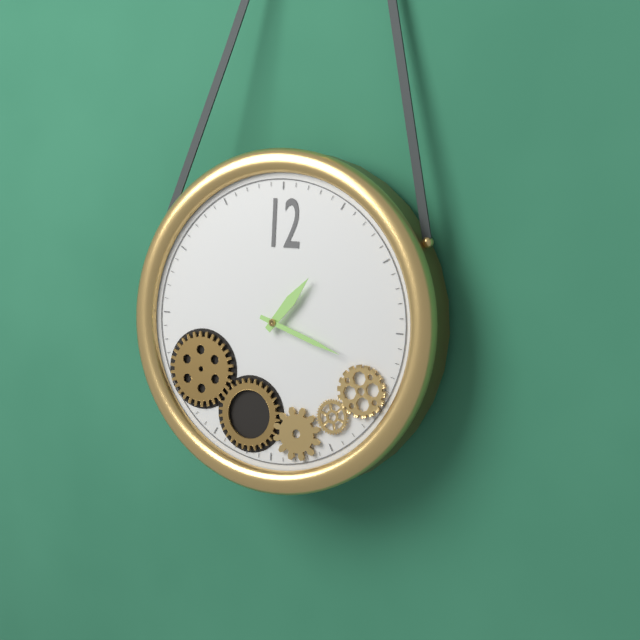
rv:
1.18
